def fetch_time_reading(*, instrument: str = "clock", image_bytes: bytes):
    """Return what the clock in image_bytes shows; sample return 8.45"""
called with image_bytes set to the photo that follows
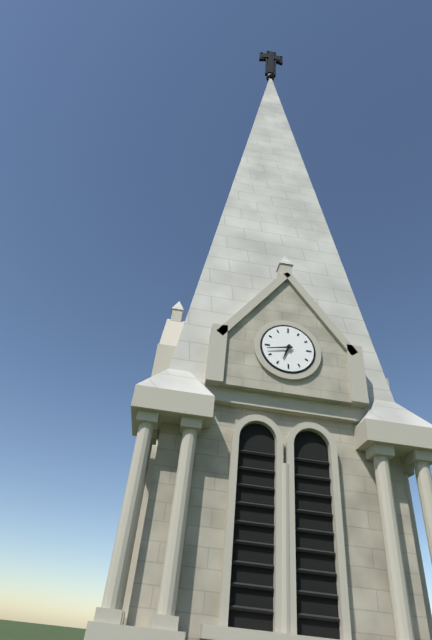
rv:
6.43
